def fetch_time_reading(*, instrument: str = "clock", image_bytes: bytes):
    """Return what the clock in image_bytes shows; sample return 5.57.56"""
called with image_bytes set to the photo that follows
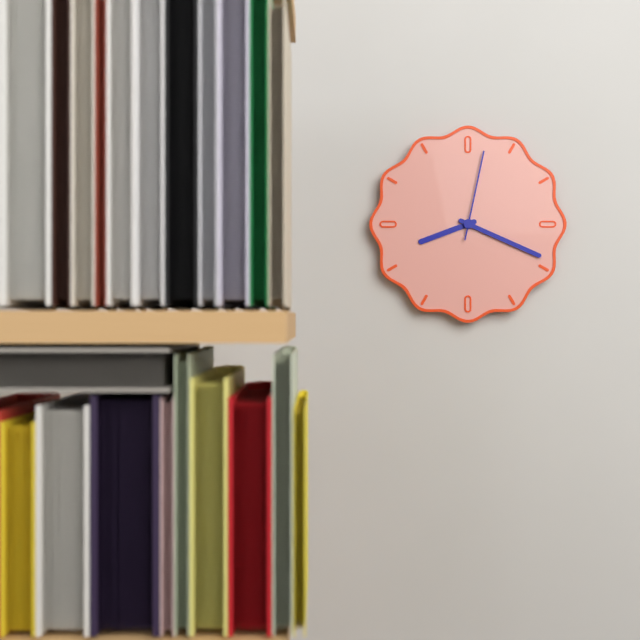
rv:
8.19.02
